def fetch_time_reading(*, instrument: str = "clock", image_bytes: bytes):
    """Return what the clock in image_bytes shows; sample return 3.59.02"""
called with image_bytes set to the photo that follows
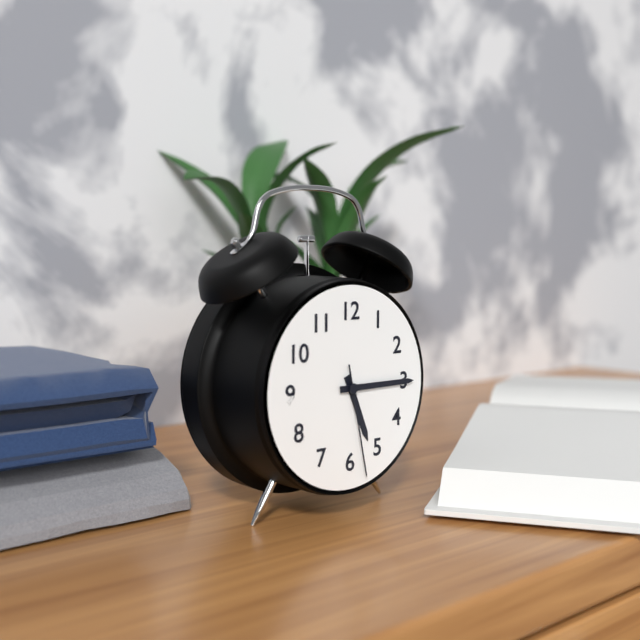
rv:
5.15.28
